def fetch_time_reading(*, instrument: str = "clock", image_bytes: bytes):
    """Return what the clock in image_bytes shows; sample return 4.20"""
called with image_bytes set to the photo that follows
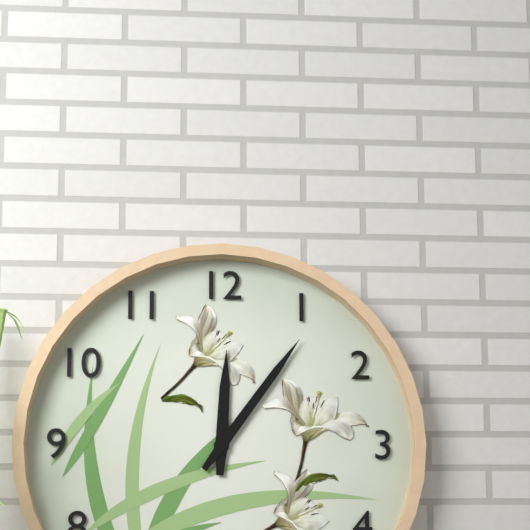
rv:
12.06
